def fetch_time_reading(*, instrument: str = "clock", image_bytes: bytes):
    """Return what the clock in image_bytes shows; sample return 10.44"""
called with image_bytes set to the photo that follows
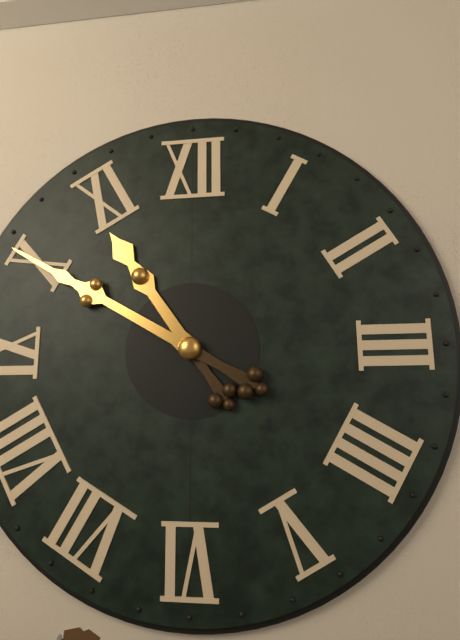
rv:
10.50
